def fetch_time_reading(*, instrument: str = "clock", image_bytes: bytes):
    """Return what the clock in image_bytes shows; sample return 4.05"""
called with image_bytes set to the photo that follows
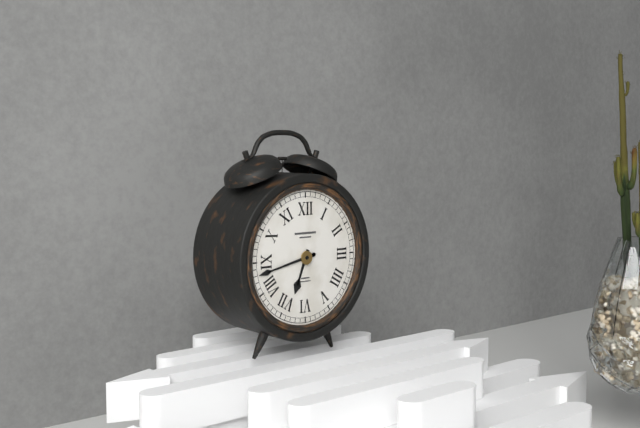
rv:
6.43
